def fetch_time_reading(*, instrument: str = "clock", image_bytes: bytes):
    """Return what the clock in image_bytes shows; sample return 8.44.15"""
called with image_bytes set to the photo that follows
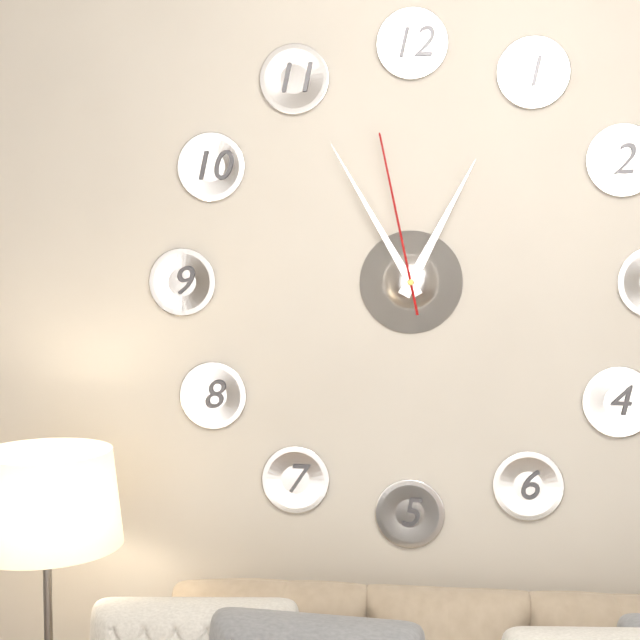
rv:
12.55.58
